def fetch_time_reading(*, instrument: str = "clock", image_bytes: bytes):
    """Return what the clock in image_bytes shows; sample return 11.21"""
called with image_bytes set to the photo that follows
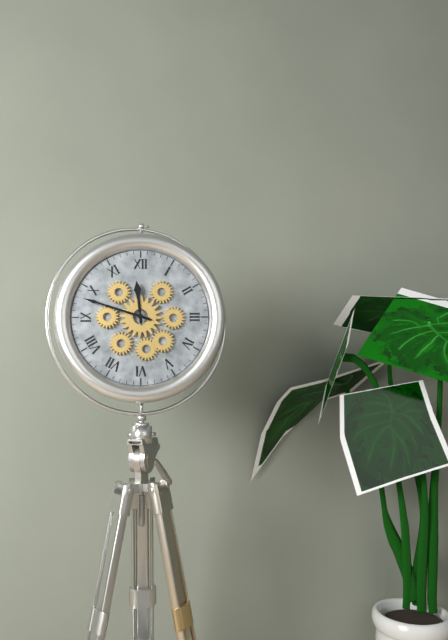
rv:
11.48
